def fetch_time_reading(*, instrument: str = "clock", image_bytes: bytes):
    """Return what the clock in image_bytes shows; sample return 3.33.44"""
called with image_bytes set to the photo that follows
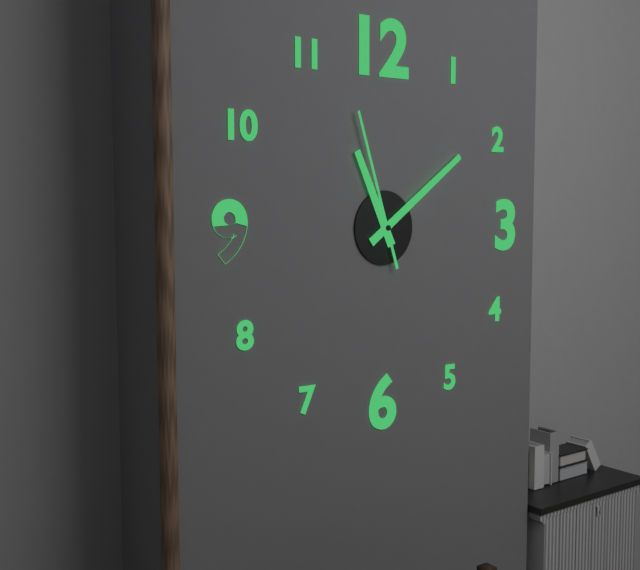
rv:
11.09.57
